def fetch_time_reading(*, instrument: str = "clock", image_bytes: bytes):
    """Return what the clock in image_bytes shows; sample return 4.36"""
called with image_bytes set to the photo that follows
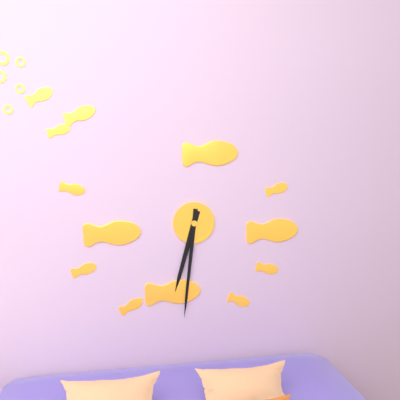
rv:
6.31
